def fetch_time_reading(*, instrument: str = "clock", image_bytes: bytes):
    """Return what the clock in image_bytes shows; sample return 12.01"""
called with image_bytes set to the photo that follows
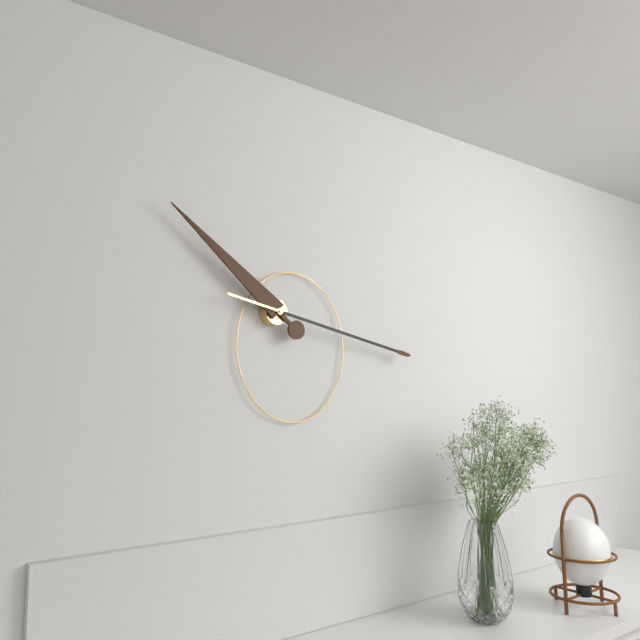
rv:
10.17
